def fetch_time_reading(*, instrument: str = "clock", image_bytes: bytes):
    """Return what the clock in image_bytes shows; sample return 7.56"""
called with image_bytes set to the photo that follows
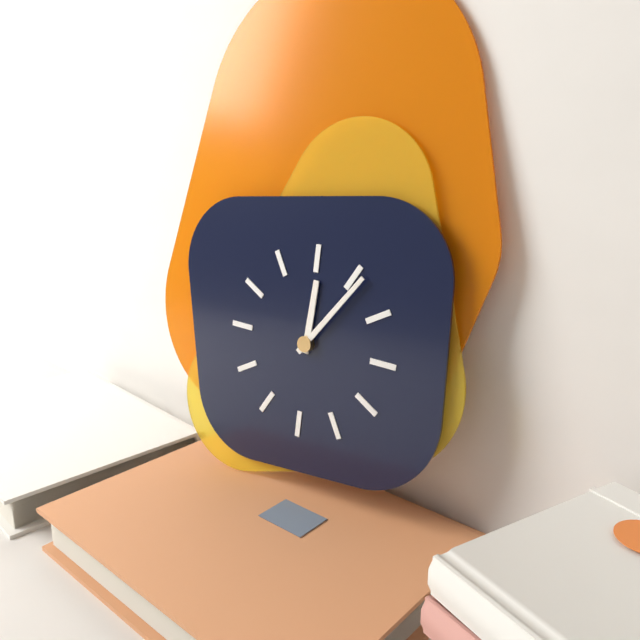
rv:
12.06
